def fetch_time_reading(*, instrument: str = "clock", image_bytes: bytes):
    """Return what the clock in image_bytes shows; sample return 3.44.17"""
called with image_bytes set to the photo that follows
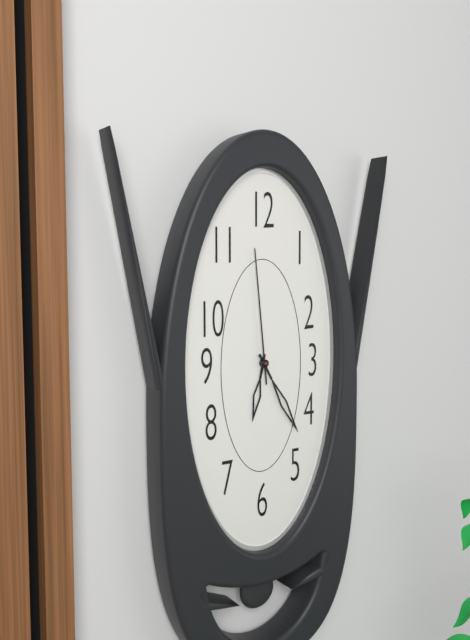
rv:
6.25.59
